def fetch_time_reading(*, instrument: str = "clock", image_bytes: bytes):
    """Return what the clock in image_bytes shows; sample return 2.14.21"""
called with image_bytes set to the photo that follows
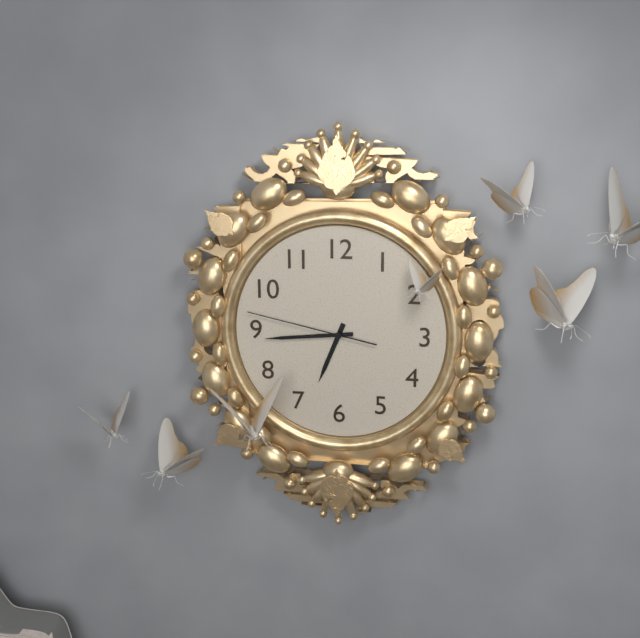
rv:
6.44.47
